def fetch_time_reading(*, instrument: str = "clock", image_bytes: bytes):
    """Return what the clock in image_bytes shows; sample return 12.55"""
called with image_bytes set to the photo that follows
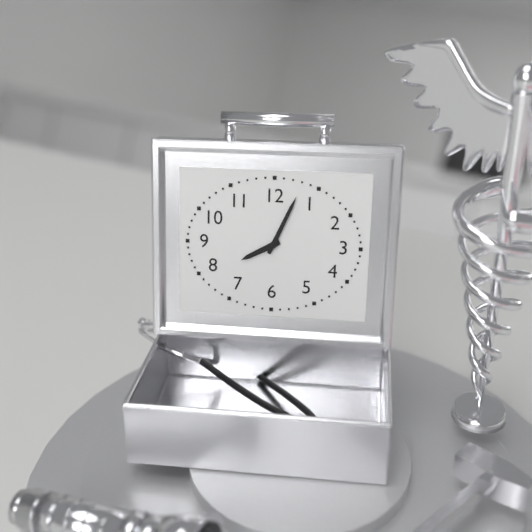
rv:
8.04
